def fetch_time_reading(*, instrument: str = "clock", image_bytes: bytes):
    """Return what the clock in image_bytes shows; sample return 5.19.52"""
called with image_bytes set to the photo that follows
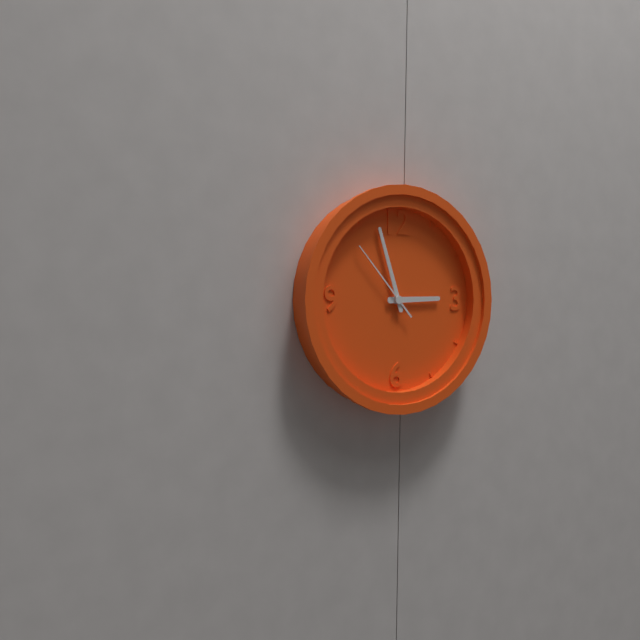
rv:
2.57.53
